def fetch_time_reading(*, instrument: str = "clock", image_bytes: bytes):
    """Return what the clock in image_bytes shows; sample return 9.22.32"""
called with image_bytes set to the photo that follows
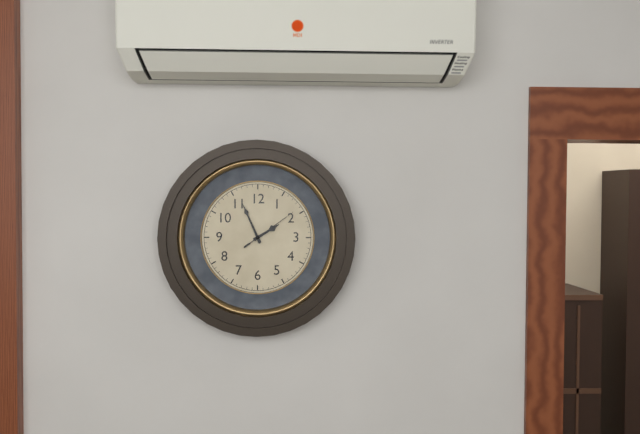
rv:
1.56.09
